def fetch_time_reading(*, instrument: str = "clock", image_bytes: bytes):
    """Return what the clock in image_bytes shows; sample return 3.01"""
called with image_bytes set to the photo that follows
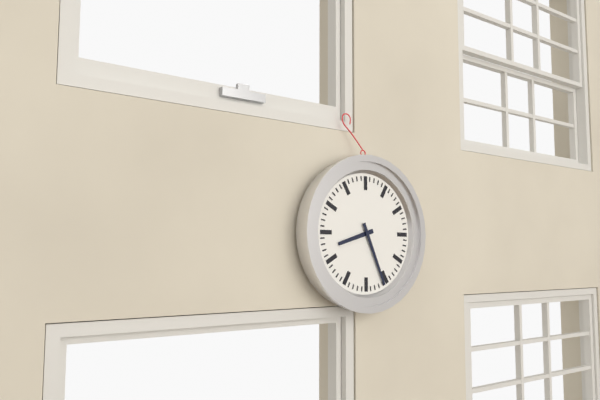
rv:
8.26
